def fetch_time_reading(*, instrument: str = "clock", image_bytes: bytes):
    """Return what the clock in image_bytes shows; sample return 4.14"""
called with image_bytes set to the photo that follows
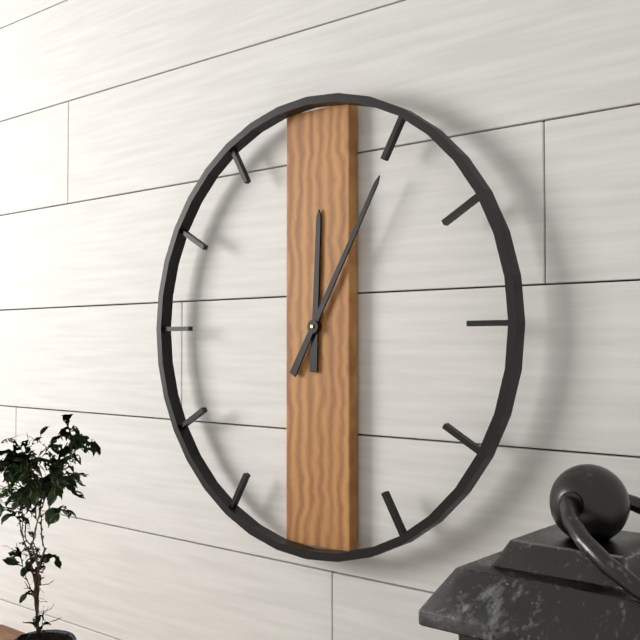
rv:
12.05
